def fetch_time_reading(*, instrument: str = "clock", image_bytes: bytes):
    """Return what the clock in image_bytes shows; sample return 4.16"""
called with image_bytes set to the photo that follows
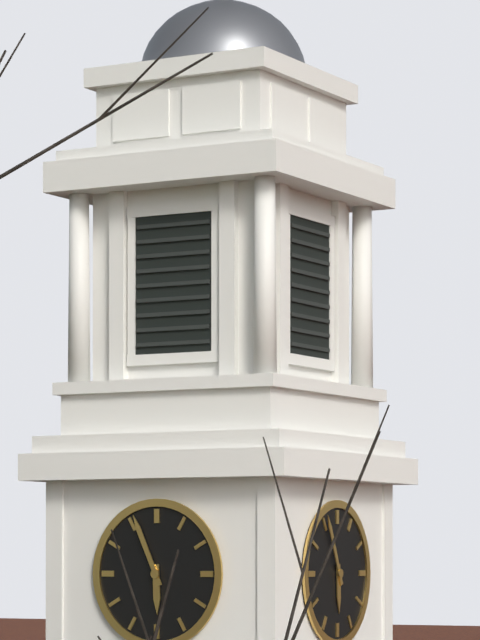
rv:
5.56
